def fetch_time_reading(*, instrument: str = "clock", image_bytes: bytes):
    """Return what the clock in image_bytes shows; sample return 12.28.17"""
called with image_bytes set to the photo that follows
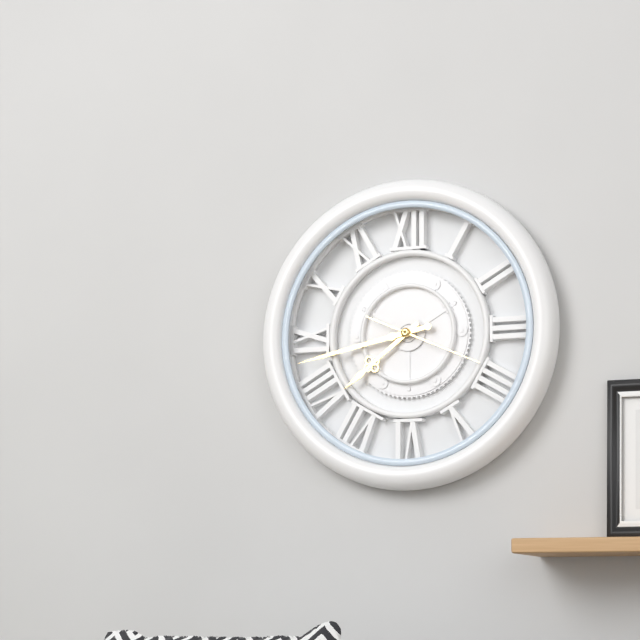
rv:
7.43.19
